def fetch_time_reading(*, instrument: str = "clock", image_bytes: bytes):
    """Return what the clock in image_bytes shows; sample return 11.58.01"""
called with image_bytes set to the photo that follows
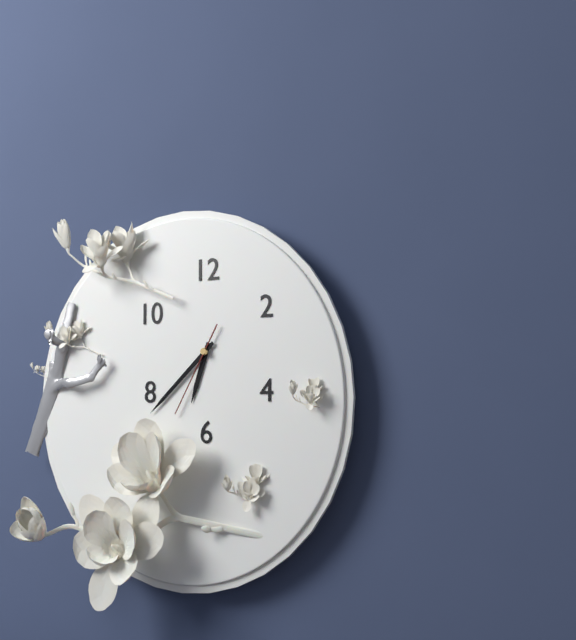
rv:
6.38.35
